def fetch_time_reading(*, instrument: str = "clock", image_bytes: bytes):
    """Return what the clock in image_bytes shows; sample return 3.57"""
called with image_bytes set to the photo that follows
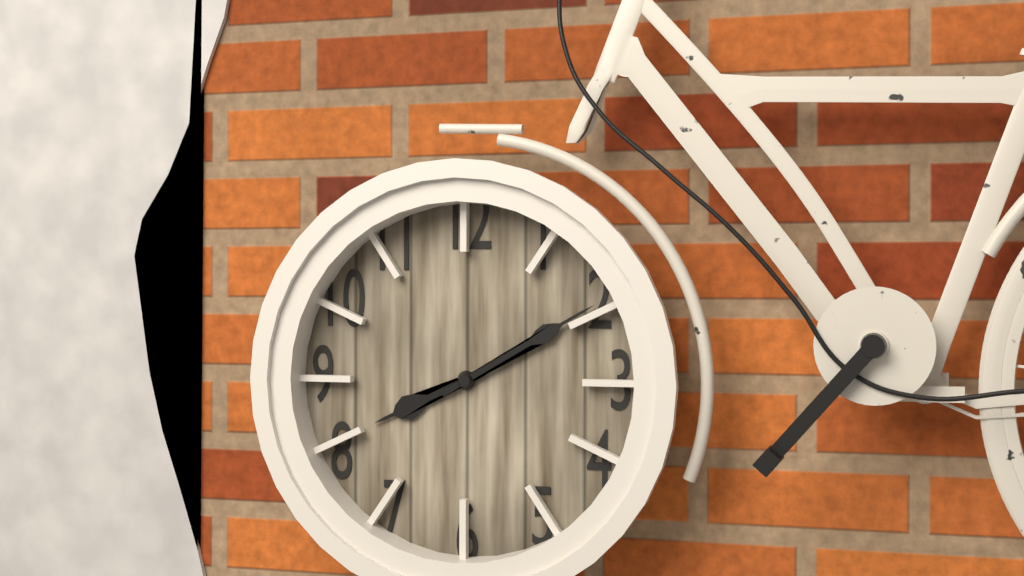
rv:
8.10
